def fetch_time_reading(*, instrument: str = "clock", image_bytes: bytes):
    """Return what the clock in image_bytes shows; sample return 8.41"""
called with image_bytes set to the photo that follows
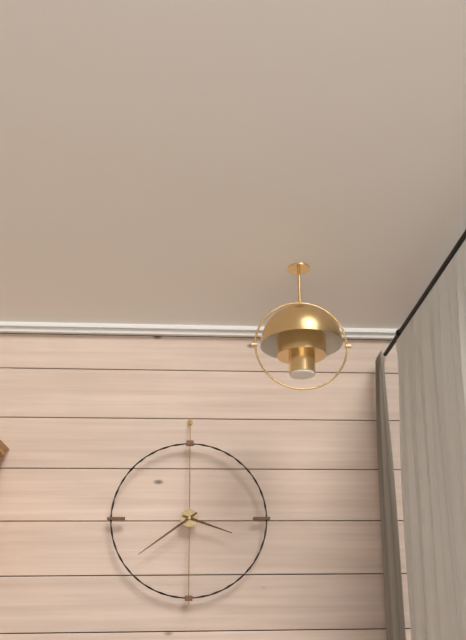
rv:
3.39
